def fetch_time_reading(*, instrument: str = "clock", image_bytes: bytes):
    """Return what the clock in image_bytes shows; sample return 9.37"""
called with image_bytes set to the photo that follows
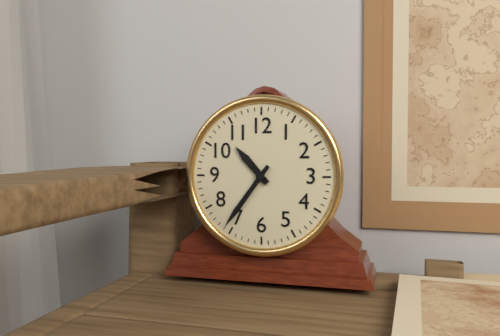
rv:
10.36
